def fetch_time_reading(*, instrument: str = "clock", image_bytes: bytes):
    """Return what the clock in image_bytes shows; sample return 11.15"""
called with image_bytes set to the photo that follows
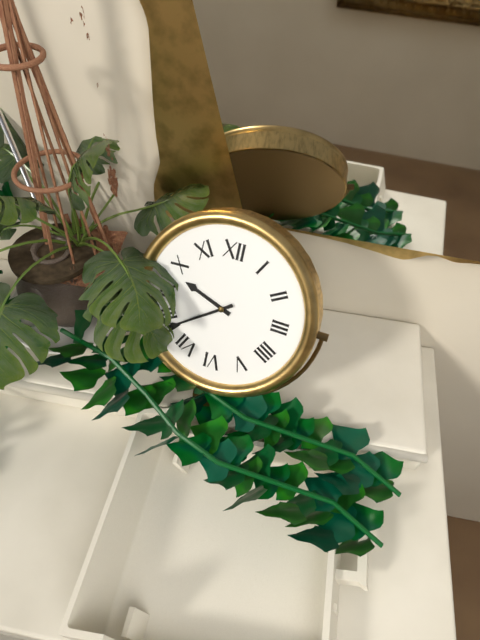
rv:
9.39
